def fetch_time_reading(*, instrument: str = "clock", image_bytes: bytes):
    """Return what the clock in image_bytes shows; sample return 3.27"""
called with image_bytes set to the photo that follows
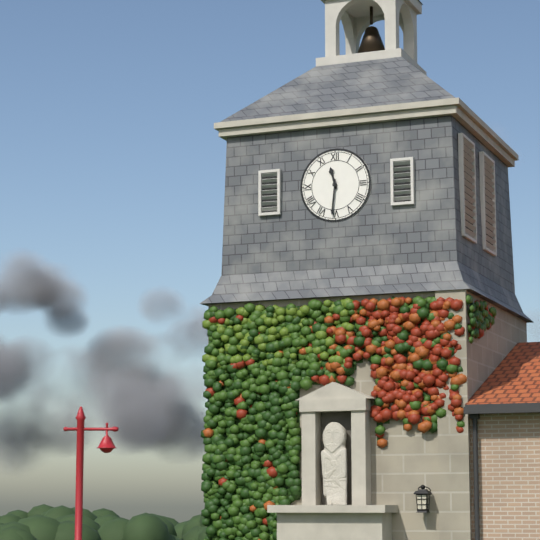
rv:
11.31
